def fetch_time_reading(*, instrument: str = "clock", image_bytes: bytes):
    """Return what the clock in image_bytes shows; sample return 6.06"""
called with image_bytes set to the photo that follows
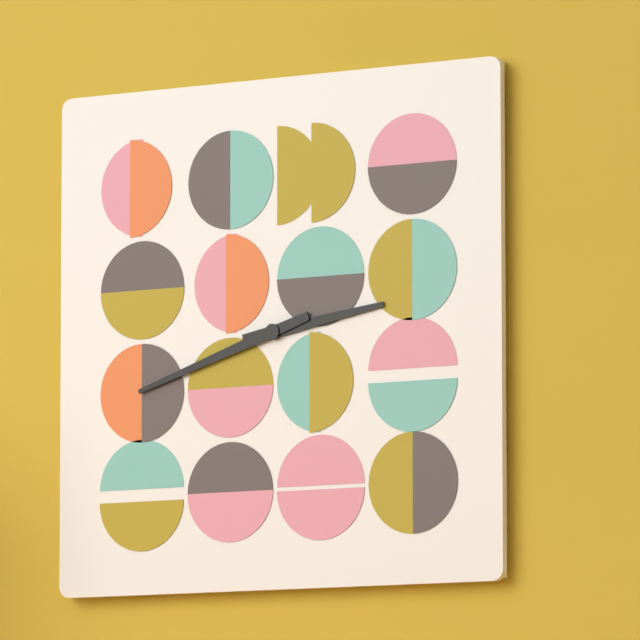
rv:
2.42
